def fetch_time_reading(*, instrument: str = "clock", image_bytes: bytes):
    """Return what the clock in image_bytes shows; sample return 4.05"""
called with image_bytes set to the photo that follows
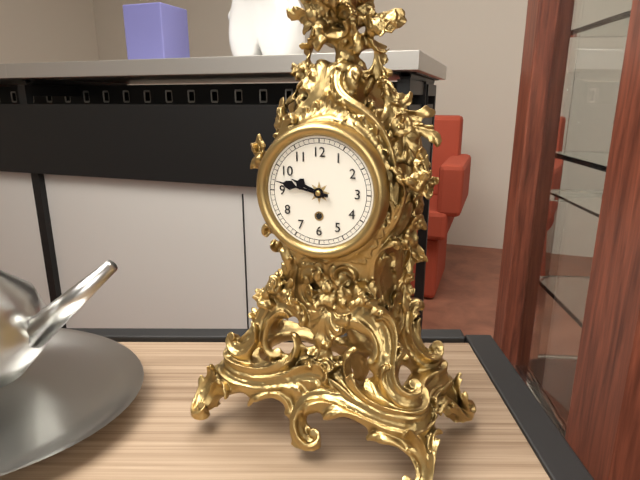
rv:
9.47
